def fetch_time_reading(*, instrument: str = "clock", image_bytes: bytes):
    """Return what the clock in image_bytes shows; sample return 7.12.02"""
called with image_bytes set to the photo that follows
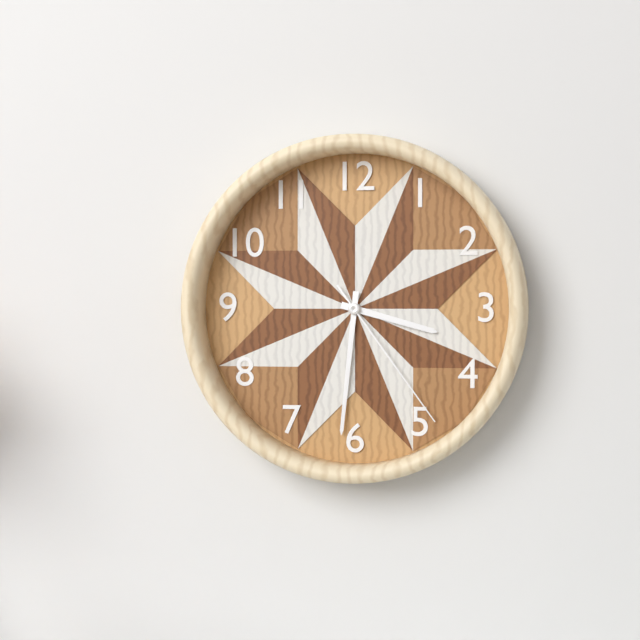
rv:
3.31.24
